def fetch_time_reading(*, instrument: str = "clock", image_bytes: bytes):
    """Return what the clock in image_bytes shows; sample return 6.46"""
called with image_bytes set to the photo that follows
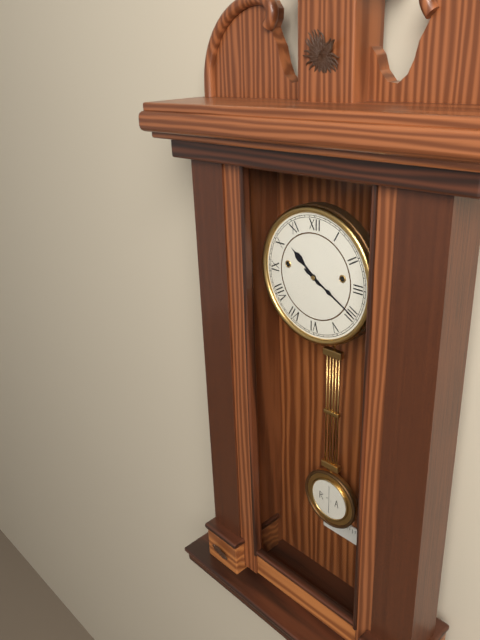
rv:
10.20
